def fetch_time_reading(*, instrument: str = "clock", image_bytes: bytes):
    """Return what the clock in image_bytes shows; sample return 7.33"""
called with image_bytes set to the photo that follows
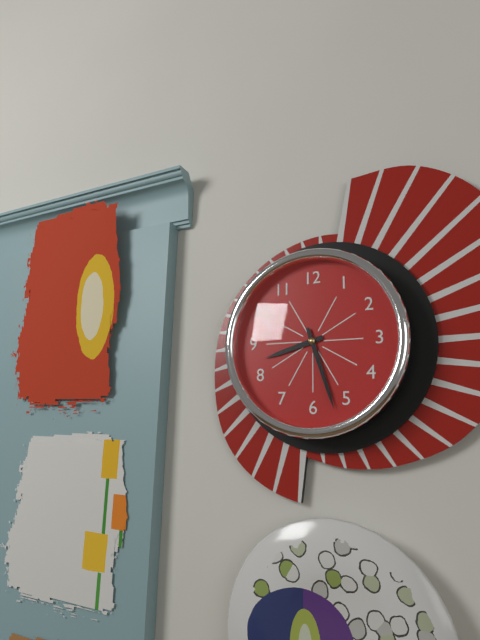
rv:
8.27
